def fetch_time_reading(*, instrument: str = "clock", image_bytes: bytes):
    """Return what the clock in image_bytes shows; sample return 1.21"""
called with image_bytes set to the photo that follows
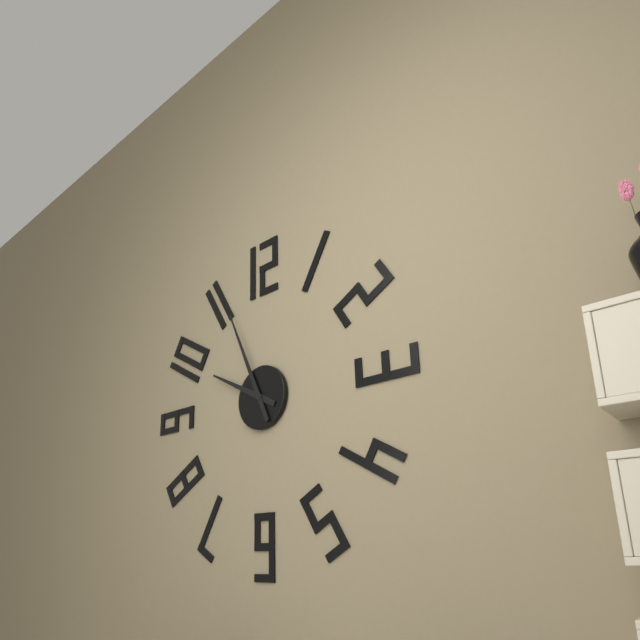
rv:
9.56
